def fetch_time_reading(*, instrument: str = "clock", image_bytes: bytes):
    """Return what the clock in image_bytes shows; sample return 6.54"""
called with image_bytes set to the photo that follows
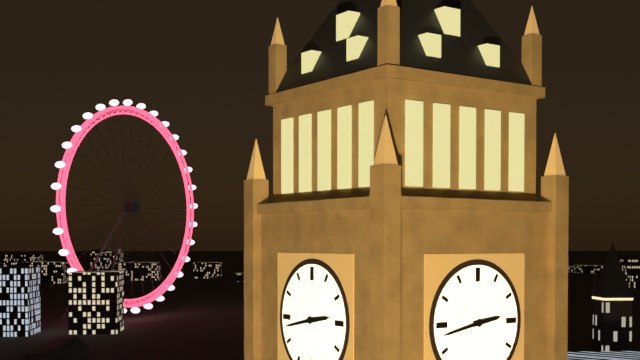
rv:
2.43
